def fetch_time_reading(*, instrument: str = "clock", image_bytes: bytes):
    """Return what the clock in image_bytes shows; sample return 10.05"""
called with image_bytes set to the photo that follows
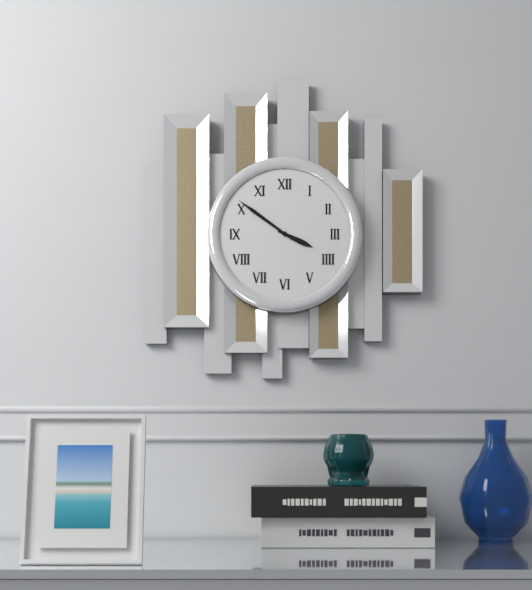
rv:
3.51
